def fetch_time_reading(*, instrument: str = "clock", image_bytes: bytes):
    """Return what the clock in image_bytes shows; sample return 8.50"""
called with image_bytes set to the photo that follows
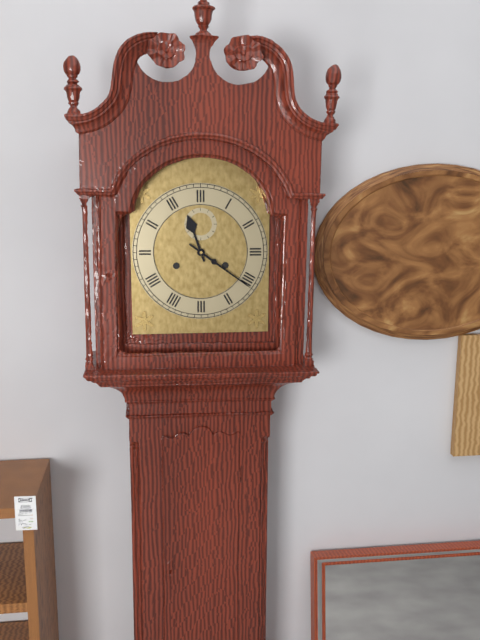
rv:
11.21
